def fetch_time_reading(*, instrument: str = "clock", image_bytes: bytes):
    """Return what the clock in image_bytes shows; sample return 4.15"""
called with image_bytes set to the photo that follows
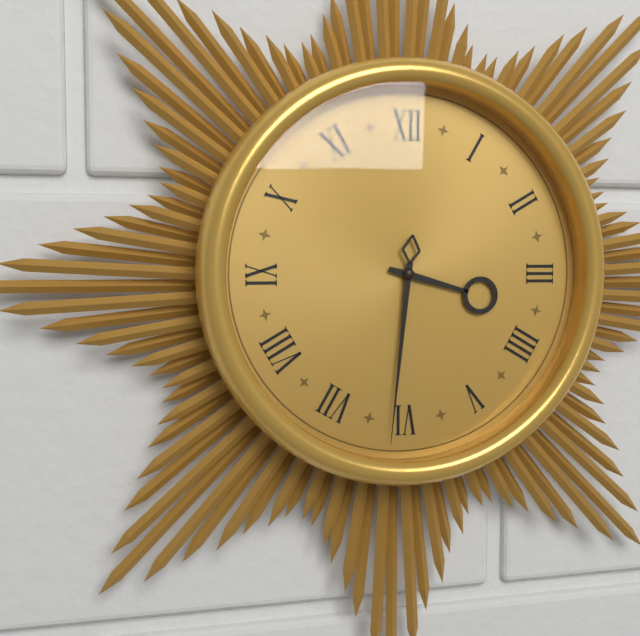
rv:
3.31
